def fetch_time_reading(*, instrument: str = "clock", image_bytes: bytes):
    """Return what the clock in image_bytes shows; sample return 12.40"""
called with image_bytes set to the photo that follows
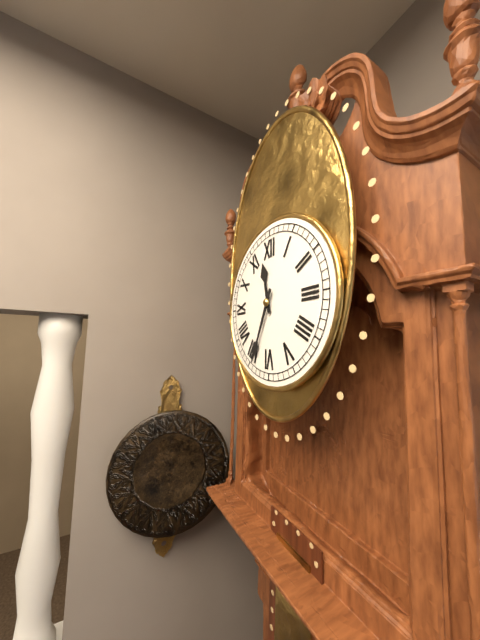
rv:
11.34
